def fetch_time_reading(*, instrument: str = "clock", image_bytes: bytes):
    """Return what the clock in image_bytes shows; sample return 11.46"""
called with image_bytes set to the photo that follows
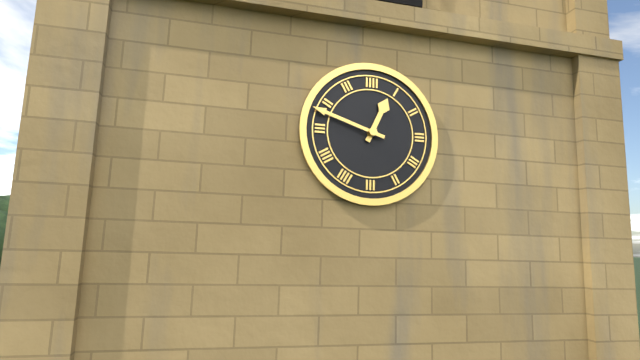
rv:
12.48
